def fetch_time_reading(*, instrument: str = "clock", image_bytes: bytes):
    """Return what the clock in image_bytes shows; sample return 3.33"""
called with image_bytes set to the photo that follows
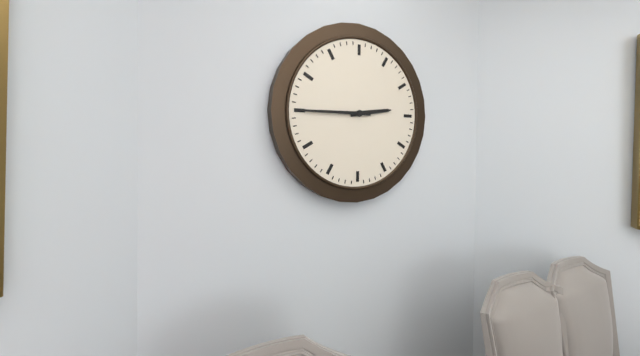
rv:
2.45
